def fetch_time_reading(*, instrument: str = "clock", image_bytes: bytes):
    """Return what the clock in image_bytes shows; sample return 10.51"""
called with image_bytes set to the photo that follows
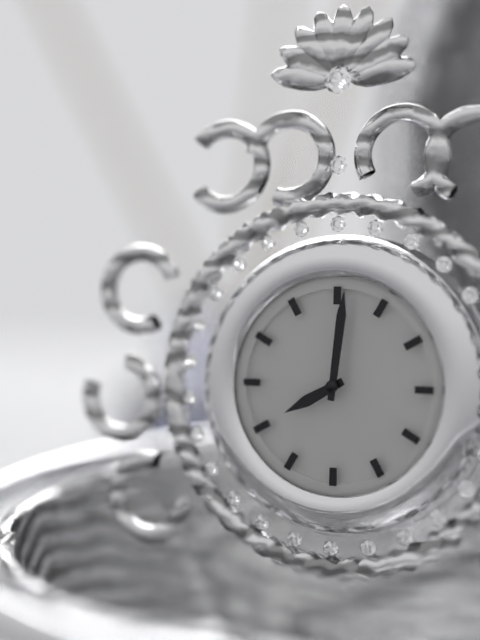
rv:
8.01
